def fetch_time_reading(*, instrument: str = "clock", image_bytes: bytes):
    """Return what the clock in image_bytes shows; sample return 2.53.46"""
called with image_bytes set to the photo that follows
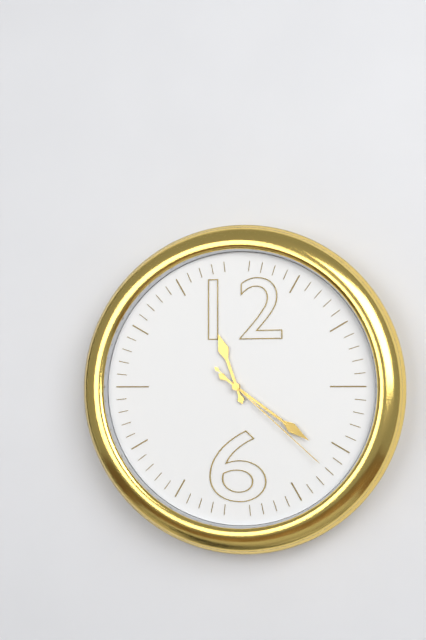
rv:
11.21.22
